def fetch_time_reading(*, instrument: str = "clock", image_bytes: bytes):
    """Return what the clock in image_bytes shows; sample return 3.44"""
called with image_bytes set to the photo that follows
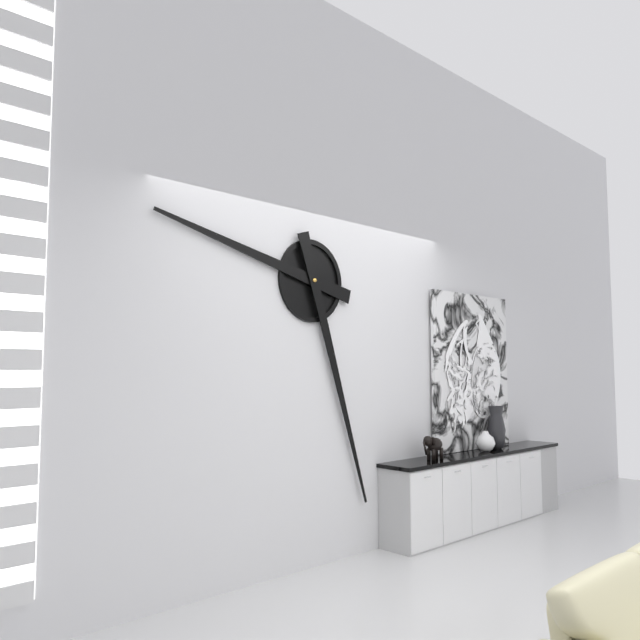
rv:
9.27
